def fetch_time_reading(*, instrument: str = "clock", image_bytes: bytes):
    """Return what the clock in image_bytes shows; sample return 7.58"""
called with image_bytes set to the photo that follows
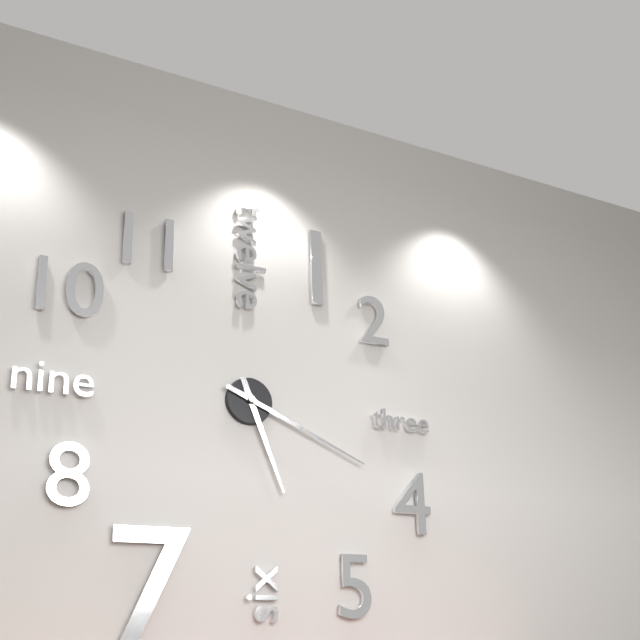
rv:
5.19
